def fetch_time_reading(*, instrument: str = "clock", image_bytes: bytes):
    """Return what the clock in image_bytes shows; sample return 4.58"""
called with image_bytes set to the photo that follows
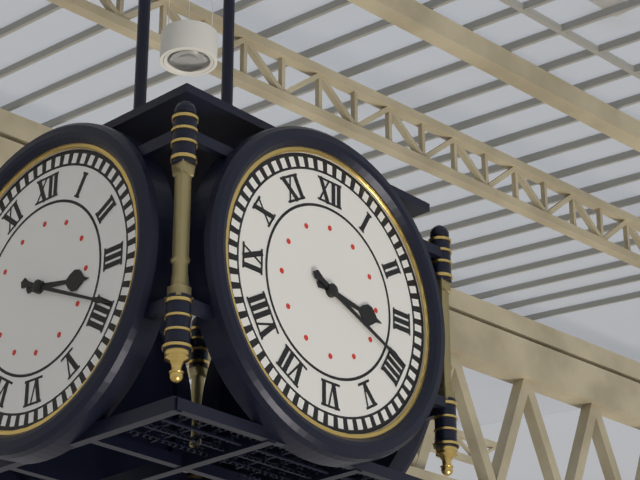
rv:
3.19
